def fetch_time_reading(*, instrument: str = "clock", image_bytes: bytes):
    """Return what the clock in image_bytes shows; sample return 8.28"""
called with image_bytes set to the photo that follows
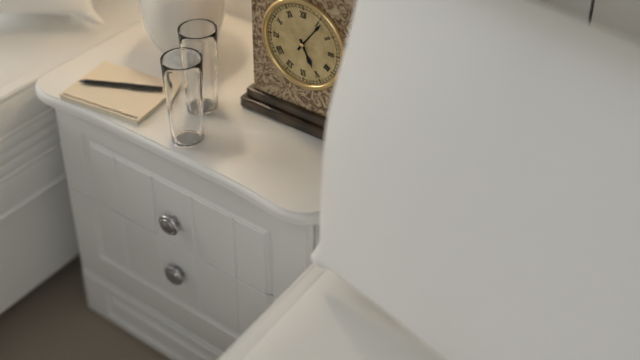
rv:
5.06
